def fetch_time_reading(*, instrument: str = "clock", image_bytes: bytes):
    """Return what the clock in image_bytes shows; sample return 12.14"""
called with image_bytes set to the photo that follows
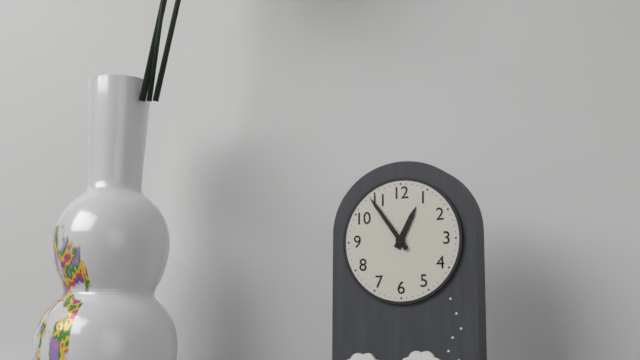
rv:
12.54
